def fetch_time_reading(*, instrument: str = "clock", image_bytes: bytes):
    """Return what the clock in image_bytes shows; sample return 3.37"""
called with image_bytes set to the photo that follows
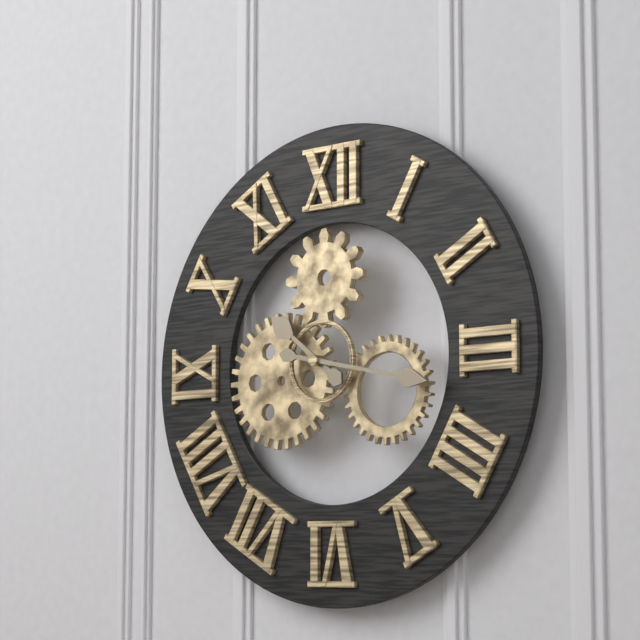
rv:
10.17
